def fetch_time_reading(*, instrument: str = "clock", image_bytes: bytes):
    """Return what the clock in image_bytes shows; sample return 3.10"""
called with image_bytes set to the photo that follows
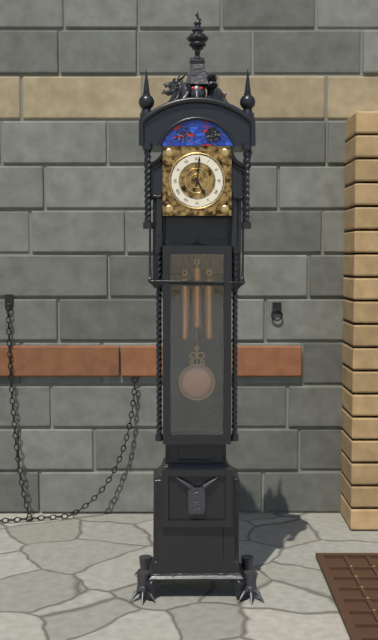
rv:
5.01
